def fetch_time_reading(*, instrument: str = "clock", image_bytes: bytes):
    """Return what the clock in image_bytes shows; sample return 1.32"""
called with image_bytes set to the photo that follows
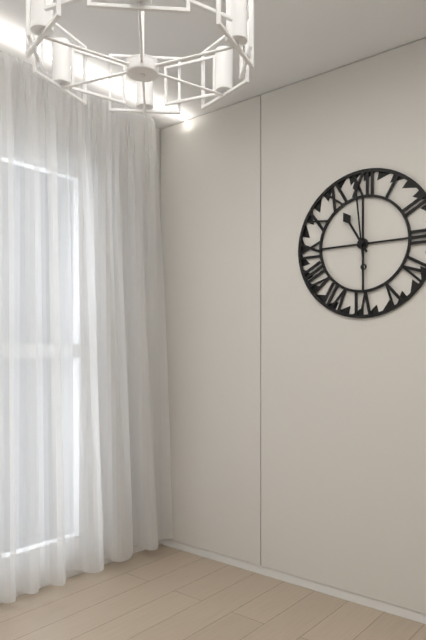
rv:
10.59
